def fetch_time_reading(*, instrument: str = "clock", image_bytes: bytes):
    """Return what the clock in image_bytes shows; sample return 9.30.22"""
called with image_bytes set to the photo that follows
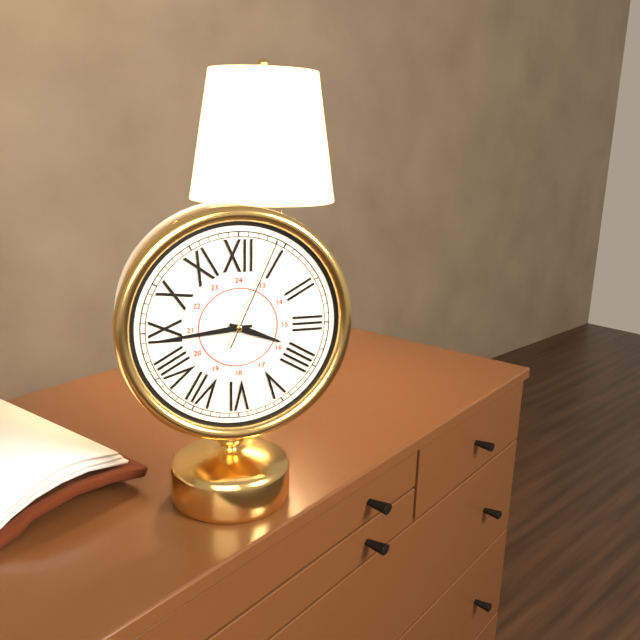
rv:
3.44.04
